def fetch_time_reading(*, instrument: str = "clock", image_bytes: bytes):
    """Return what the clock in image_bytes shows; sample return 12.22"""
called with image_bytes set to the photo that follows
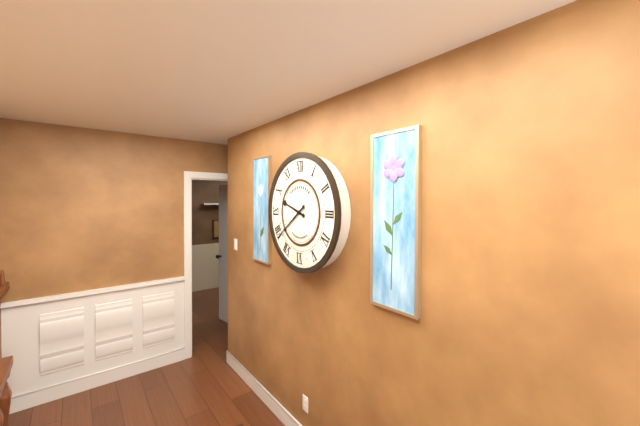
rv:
9.39
